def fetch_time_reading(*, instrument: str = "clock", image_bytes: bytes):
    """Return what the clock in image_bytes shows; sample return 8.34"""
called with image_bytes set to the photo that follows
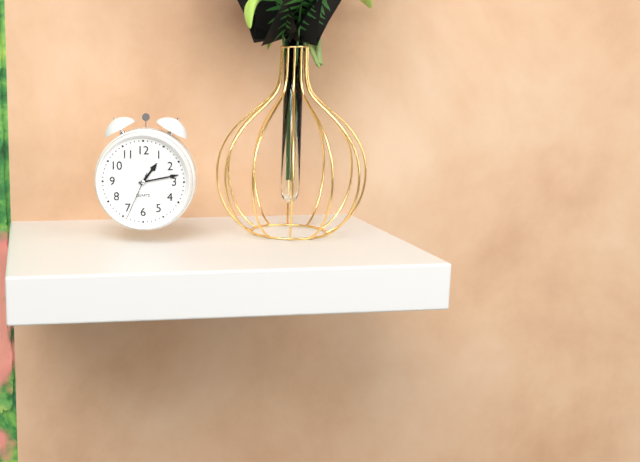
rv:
1.13
